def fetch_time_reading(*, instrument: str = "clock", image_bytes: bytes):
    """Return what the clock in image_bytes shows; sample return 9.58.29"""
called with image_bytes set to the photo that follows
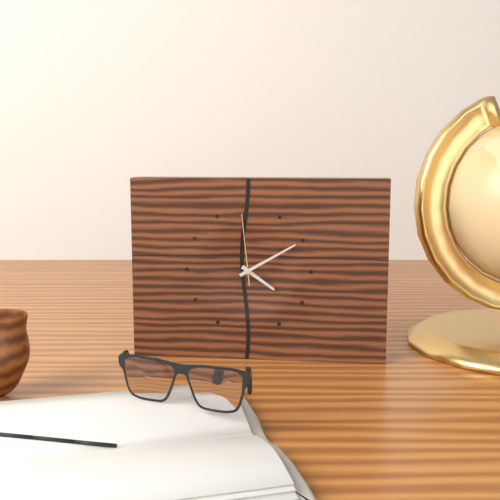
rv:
4.10.59
